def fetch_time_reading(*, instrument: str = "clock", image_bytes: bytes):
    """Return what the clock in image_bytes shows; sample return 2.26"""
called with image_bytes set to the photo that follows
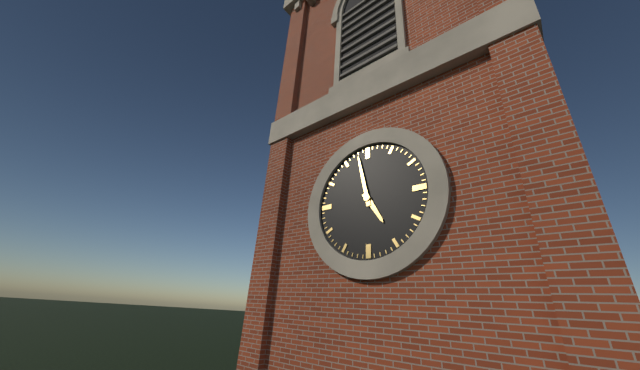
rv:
4.58
